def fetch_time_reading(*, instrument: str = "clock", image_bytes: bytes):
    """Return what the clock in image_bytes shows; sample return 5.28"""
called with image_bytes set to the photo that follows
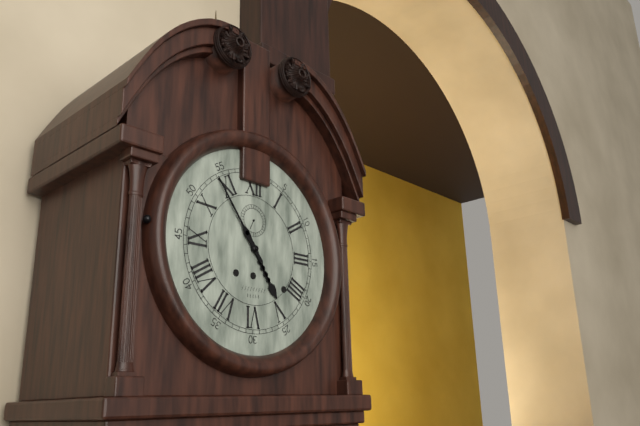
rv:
4.54
